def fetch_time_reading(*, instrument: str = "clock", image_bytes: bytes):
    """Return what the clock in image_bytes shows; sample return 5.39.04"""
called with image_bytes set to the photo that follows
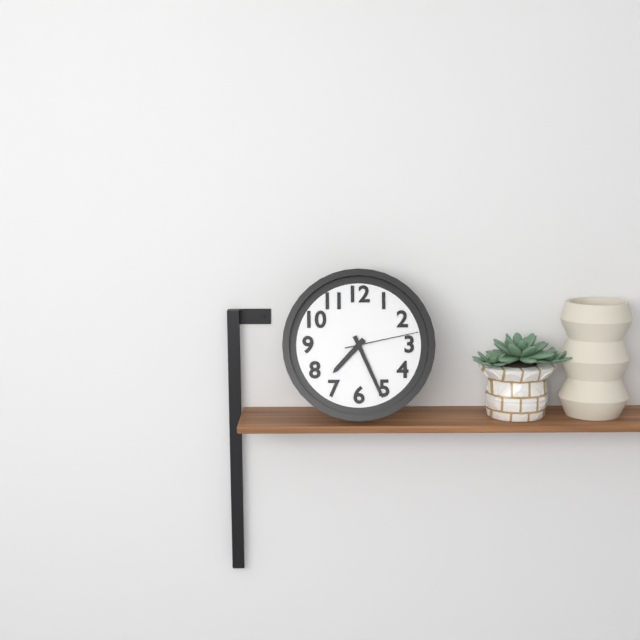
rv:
7.26.13
